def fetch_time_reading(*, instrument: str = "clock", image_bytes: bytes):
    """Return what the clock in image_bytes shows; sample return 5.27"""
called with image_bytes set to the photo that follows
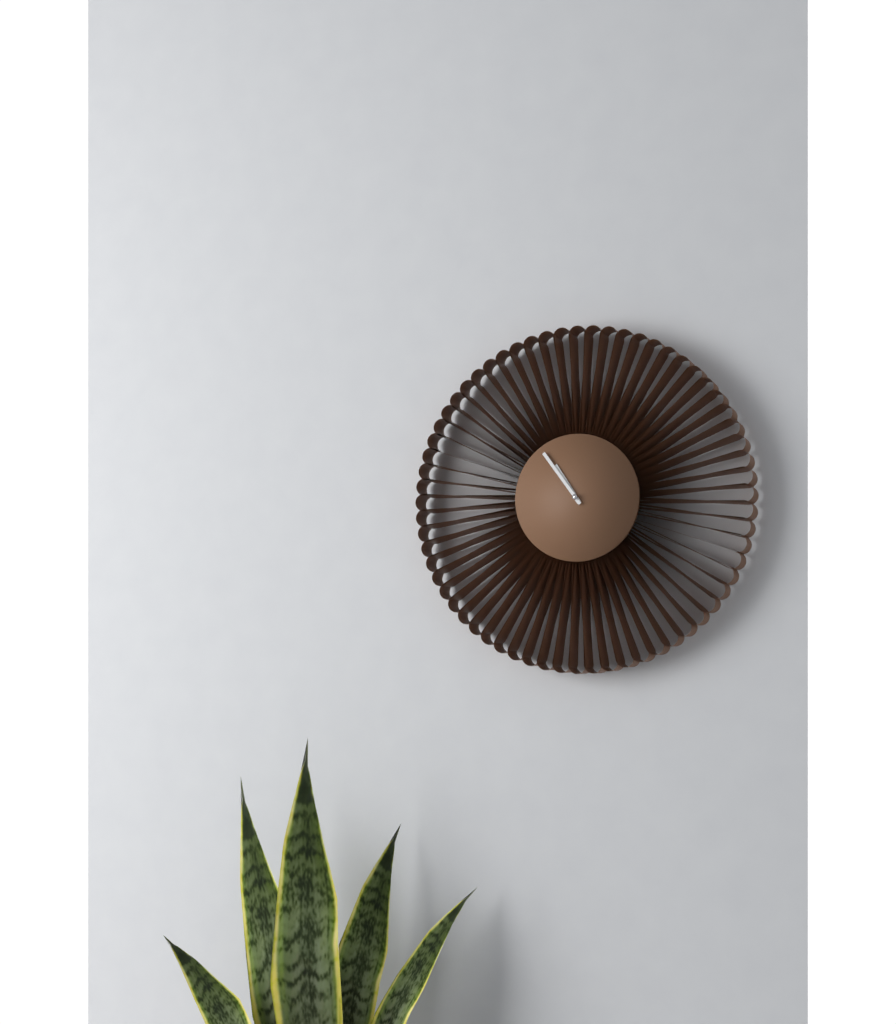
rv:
10.54
